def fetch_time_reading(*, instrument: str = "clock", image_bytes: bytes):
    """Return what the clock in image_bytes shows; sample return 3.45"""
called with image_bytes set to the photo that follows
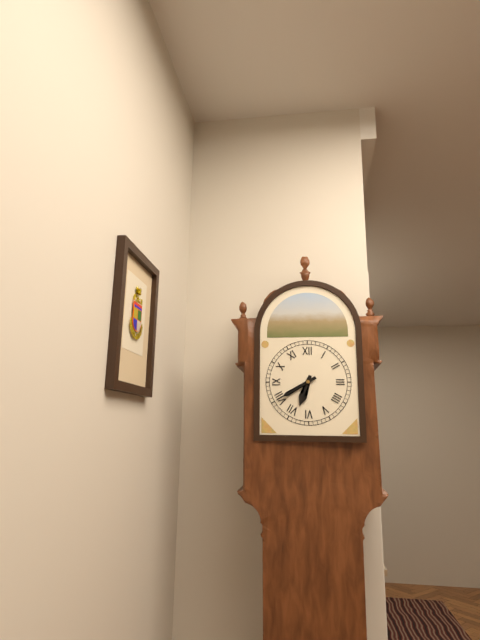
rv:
6.40
